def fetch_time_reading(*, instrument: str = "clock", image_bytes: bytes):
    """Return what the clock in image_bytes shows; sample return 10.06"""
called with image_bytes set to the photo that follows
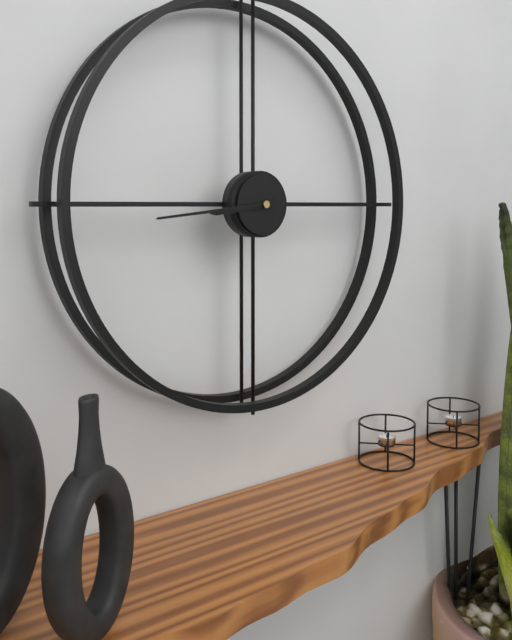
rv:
8.44
